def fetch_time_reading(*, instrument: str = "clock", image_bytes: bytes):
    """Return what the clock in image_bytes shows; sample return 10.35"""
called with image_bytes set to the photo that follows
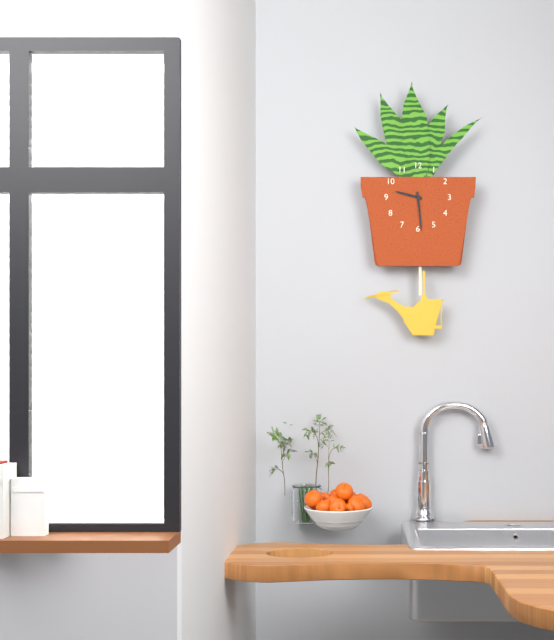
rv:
9.29
